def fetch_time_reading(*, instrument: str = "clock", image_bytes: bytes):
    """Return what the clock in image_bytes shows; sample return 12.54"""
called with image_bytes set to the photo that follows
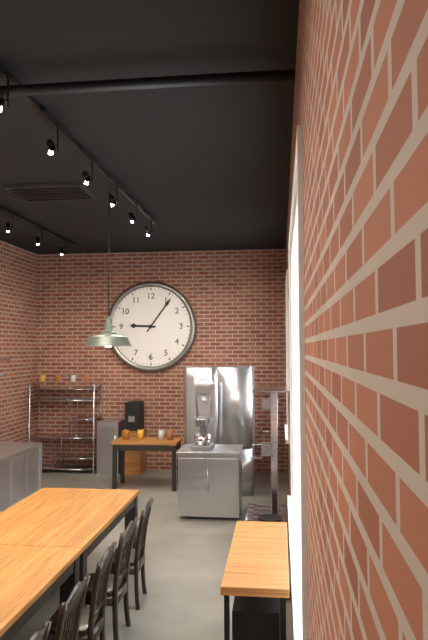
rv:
9.06
